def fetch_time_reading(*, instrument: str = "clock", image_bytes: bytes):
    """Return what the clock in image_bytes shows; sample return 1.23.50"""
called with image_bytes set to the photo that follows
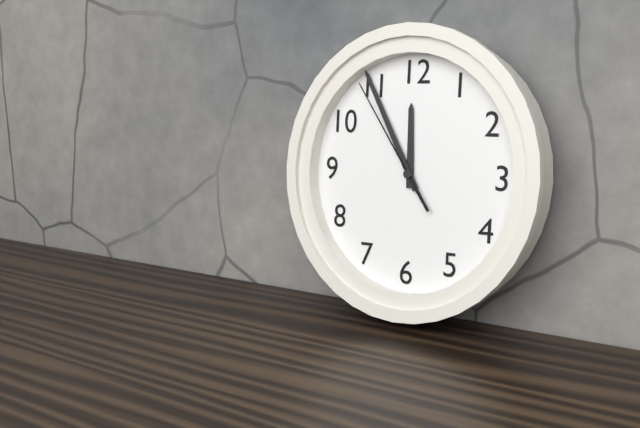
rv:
11.55.54
